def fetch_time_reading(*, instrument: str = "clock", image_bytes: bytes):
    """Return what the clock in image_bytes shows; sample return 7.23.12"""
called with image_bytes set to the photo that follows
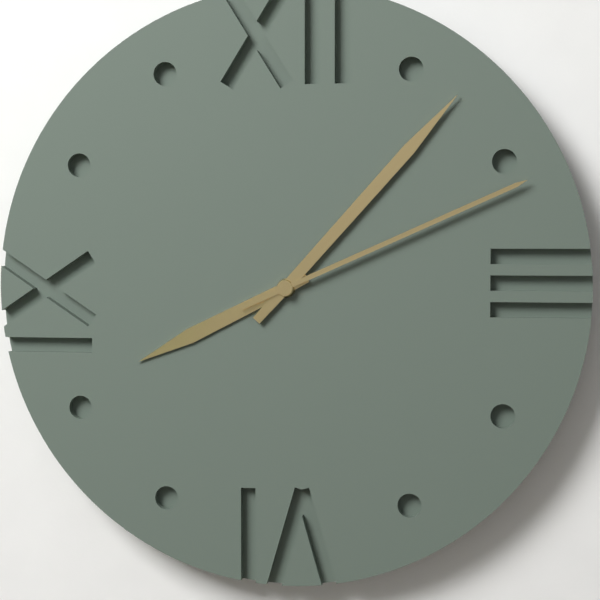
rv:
8.07.11
